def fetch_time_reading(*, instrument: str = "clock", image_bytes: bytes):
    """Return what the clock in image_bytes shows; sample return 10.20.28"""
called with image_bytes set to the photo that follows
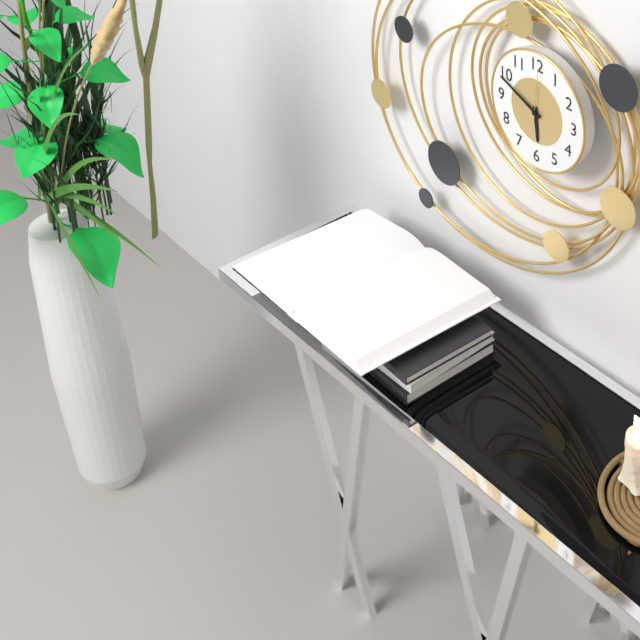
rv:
5.49.01
